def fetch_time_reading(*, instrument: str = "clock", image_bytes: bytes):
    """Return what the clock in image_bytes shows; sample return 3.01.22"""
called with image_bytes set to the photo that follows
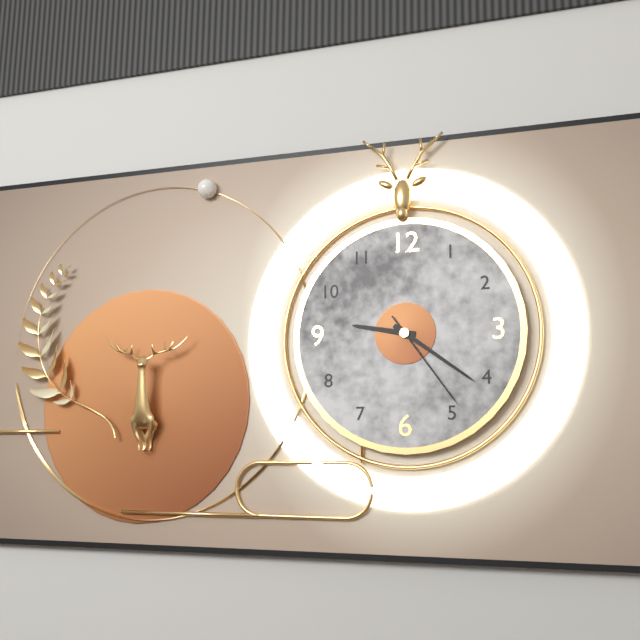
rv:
9.21.24
